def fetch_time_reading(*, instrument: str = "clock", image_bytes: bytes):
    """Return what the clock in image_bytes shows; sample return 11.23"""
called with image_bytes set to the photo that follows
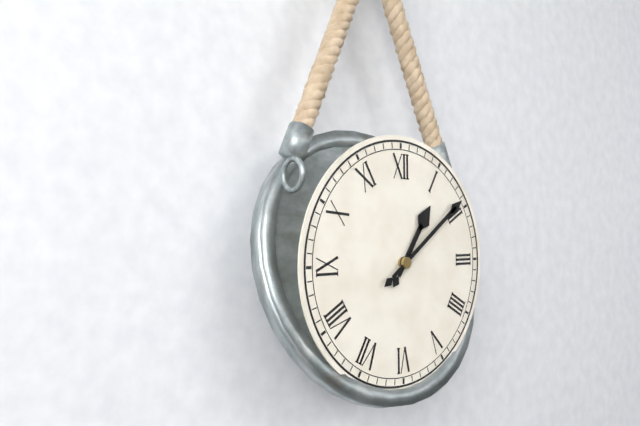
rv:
1.09
